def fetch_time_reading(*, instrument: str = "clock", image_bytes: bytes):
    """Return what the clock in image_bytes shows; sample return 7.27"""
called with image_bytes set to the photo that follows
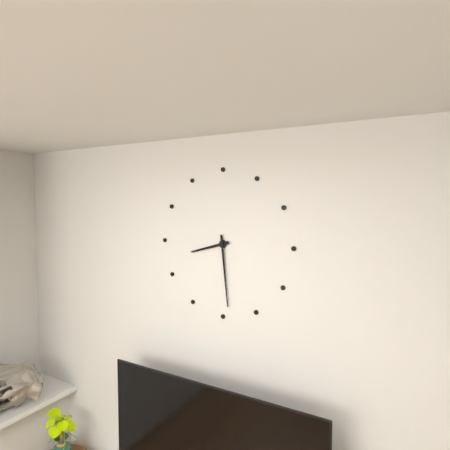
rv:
8.29
